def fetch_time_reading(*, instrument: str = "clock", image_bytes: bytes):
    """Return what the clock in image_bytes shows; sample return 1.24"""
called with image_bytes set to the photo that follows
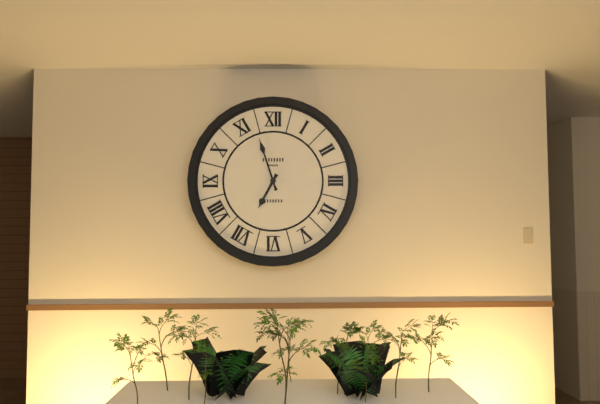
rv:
6.57
